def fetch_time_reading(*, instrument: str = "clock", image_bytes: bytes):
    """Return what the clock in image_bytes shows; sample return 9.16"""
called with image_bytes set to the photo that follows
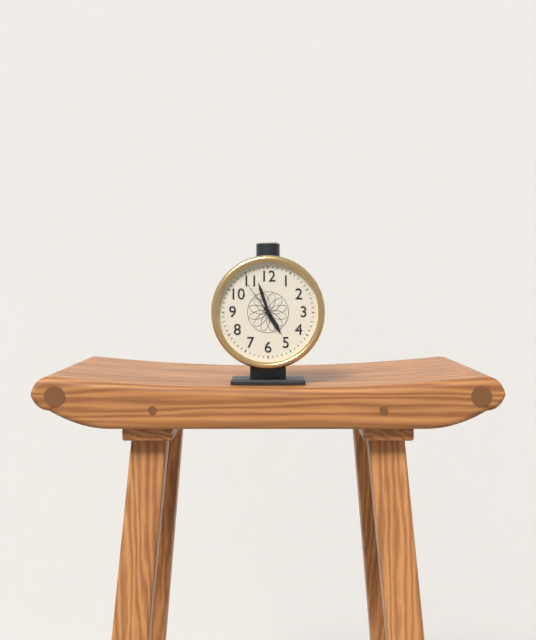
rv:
4.57
